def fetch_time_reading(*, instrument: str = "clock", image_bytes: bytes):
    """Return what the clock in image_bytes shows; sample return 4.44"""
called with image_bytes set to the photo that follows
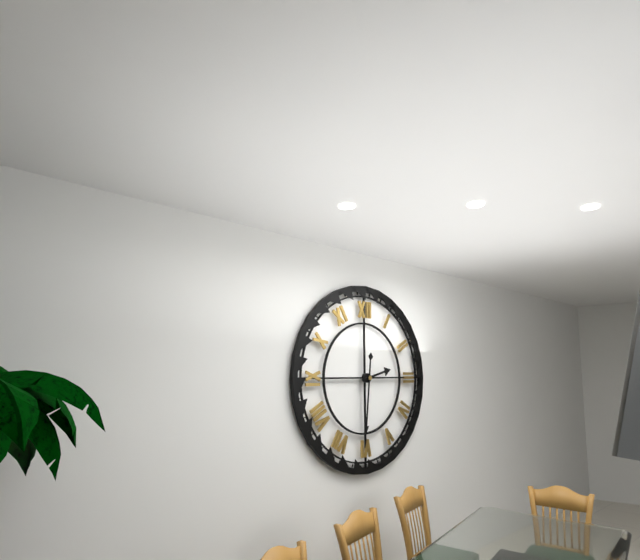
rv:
2.31
